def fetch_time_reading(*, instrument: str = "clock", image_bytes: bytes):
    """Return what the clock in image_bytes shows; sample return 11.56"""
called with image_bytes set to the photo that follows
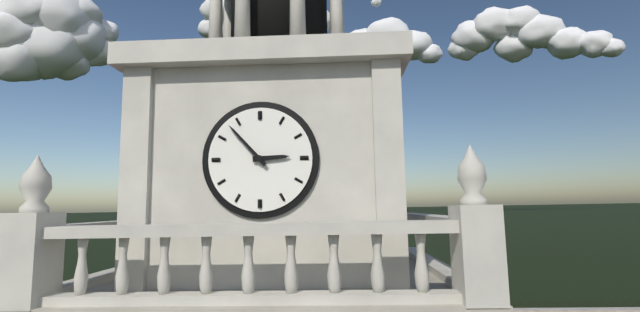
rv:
2.53
